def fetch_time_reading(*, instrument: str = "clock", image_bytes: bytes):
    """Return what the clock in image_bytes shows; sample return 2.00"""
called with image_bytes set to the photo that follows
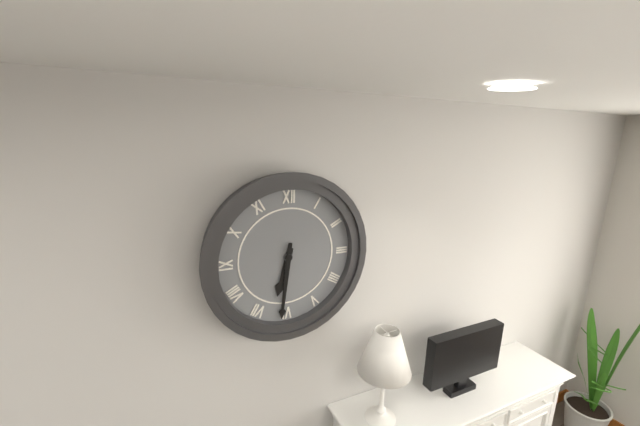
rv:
6.31
